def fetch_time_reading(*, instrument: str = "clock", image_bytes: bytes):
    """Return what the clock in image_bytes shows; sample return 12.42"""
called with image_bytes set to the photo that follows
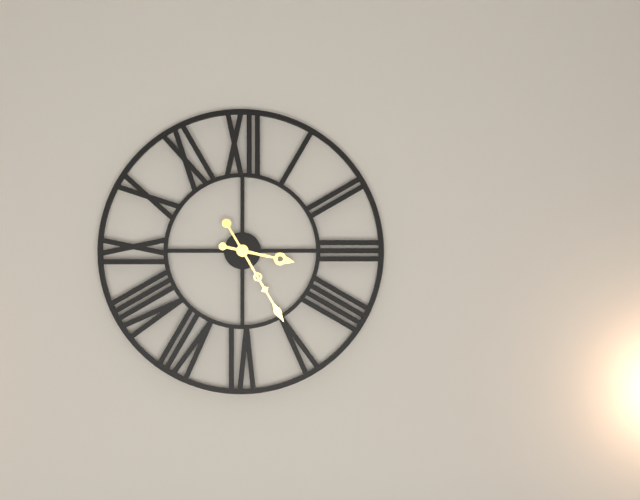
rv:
3.25
